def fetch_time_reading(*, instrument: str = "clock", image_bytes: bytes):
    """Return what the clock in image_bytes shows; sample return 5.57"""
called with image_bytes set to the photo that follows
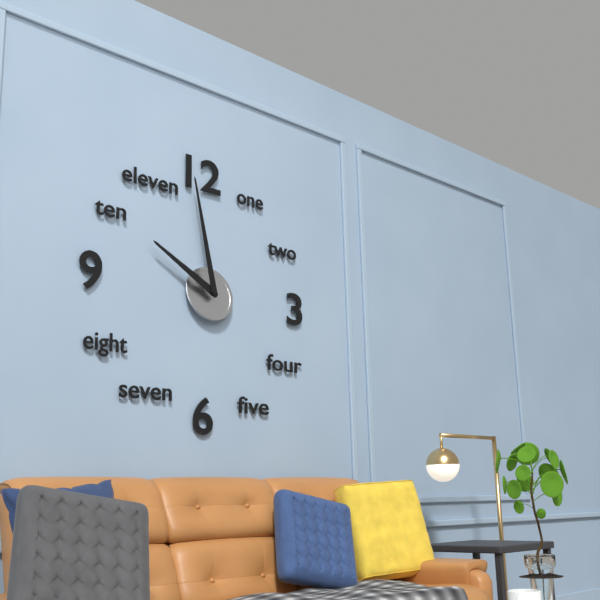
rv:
9.58
